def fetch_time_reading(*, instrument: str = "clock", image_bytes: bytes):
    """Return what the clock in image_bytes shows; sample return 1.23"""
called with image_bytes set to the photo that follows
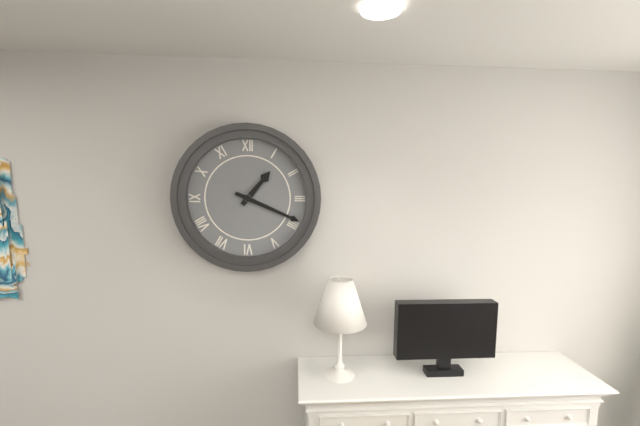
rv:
1.19
